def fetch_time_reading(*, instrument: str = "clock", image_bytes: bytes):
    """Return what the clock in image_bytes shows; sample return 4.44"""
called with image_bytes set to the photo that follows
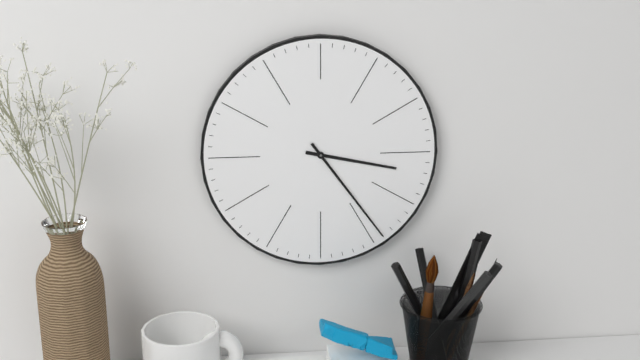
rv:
3.24
